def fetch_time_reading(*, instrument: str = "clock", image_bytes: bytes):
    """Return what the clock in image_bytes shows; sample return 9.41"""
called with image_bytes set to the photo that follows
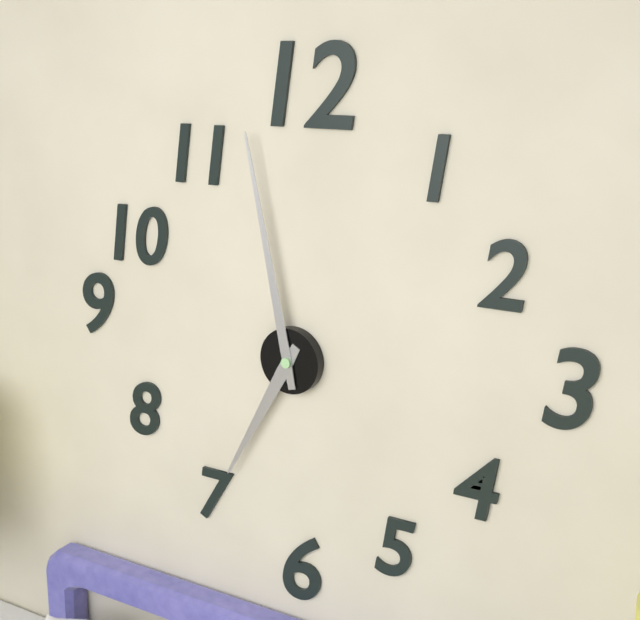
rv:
6.58
